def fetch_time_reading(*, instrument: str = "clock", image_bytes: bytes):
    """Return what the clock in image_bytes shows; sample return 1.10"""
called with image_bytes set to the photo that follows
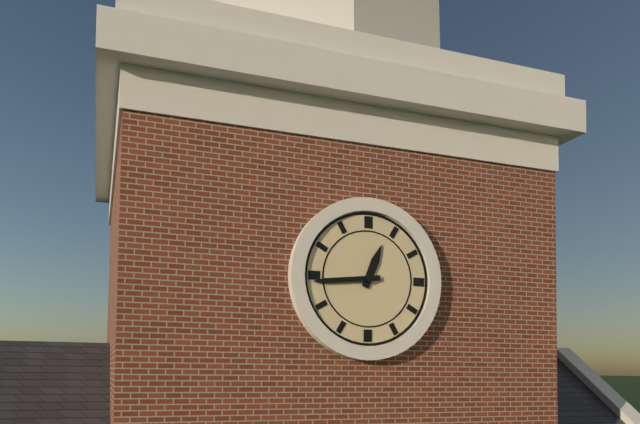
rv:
12.44
